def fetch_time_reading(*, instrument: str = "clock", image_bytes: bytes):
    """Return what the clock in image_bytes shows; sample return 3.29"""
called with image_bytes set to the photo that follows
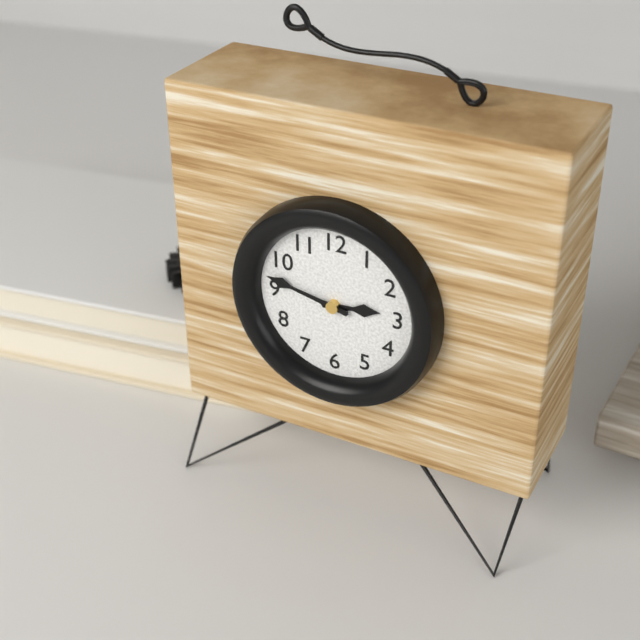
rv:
2.47
